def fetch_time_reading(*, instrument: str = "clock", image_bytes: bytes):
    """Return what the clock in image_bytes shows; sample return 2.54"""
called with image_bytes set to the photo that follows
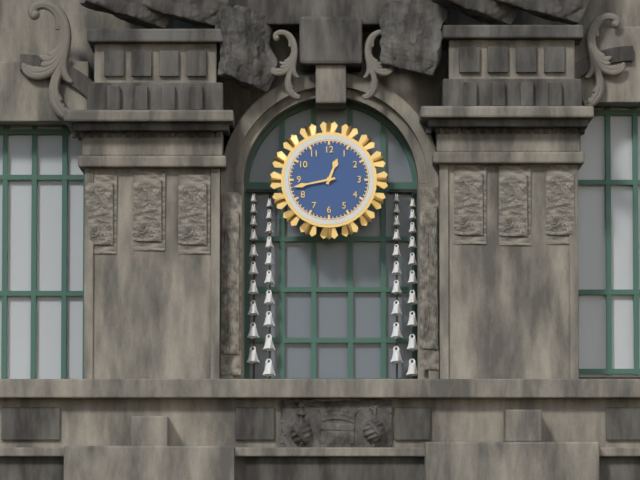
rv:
12.43
